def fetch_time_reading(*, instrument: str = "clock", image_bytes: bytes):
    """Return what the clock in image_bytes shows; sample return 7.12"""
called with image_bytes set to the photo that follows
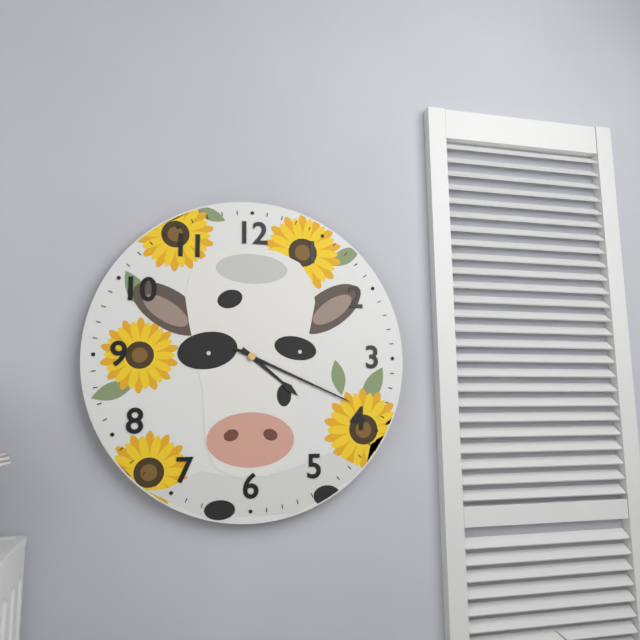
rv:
4.19
